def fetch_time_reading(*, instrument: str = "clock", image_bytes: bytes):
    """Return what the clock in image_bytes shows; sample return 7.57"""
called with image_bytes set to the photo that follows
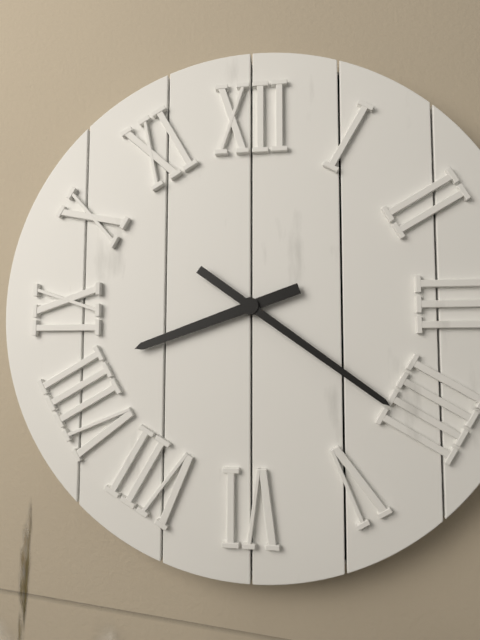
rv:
8.21
